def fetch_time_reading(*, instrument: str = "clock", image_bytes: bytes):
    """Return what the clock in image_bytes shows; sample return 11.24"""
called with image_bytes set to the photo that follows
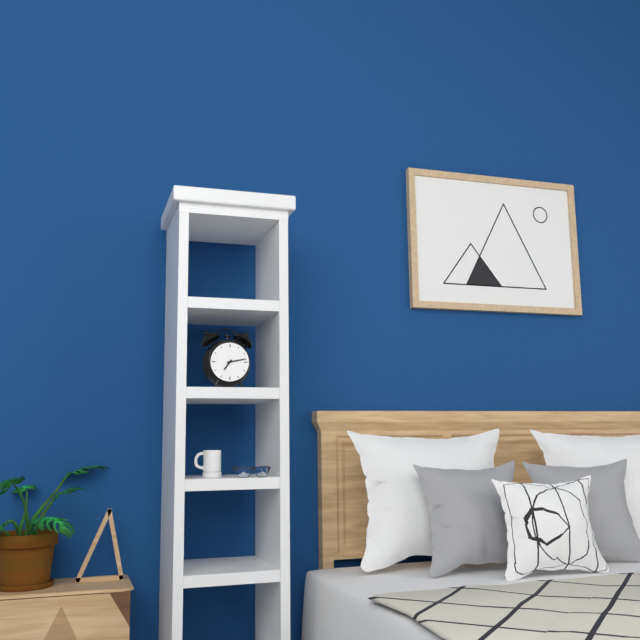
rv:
7.13
